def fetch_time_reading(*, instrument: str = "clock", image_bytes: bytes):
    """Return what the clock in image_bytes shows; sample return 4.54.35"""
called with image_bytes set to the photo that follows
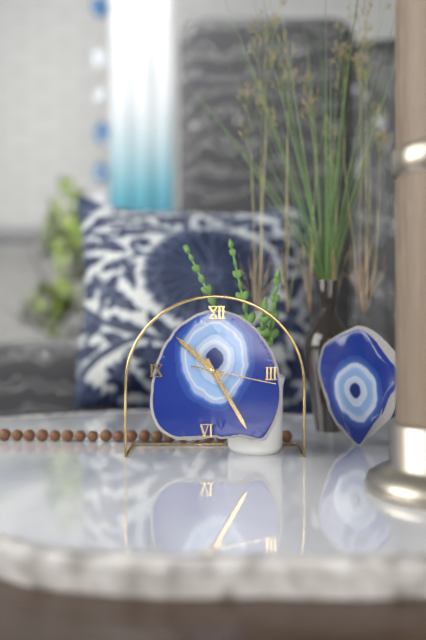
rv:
10.25.17
